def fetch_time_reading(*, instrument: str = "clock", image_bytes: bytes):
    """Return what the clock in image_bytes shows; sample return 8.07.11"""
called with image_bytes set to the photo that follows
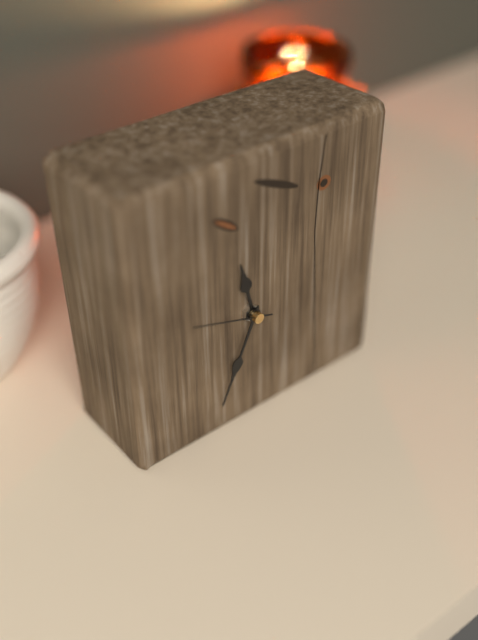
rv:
11.34.48
